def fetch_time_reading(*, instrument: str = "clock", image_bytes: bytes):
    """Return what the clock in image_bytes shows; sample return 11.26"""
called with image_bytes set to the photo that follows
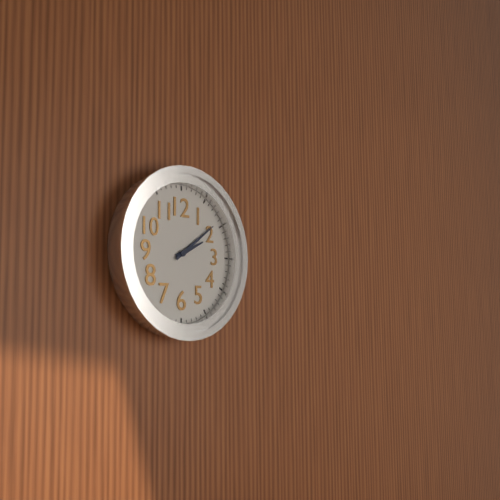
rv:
2.09
